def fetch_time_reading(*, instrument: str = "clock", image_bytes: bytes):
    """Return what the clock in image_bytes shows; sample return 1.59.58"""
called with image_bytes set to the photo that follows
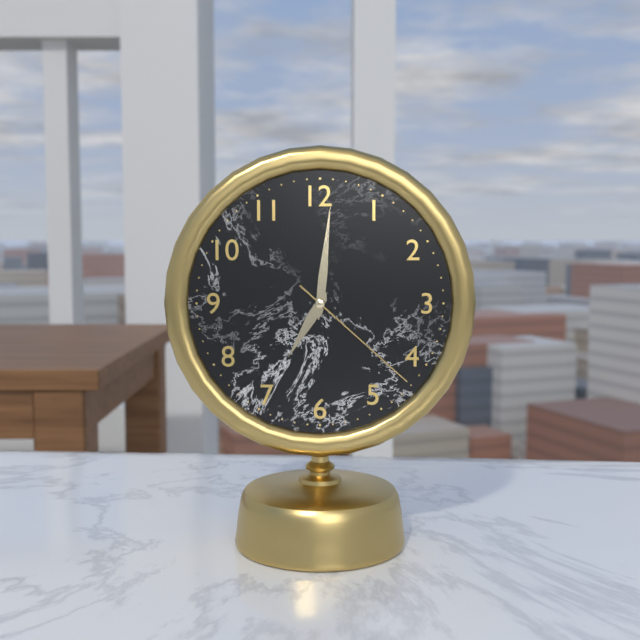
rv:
7.01.22
